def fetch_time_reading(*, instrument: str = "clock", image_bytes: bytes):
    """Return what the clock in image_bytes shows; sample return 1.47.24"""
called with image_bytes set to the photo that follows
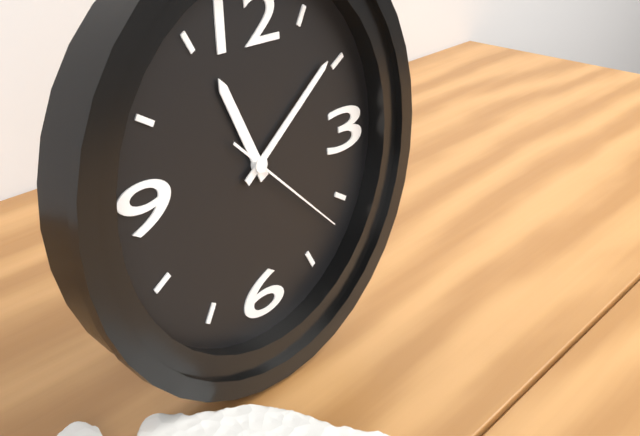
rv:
11.09.22
